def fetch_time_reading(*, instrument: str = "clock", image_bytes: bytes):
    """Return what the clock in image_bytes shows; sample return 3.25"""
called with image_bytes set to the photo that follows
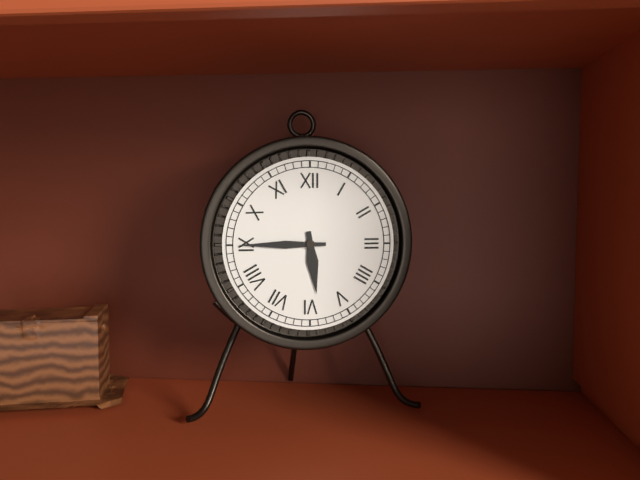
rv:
5.45
